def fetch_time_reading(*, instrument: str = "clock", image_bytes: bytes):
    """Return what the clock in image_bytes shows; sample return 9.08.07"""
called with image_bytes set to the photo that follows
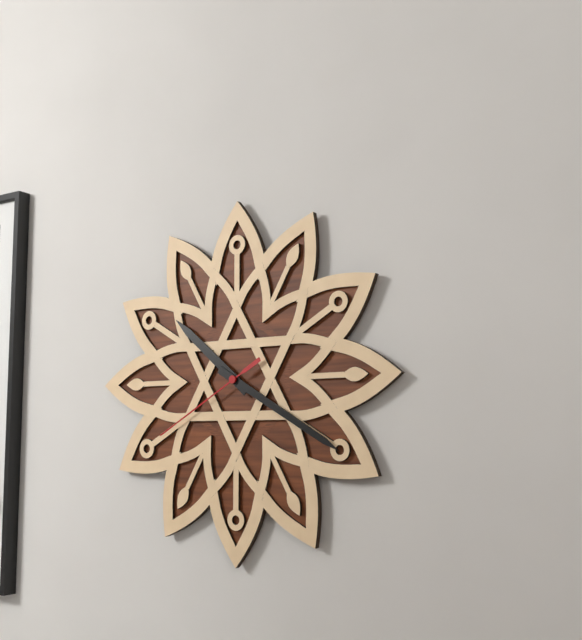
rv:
10.20.40
